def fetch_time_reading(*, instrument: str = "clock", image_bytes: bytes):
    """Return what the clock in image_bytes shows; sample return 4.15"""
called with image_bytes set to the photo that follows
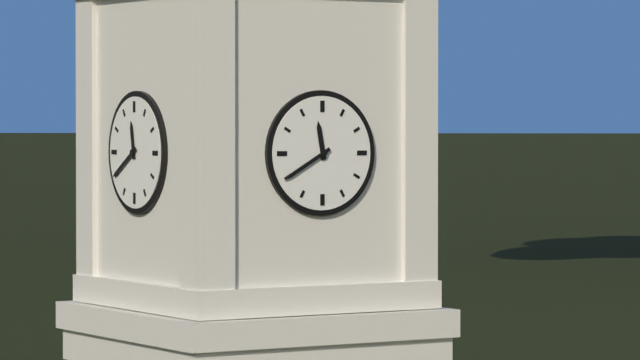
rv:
11.40
